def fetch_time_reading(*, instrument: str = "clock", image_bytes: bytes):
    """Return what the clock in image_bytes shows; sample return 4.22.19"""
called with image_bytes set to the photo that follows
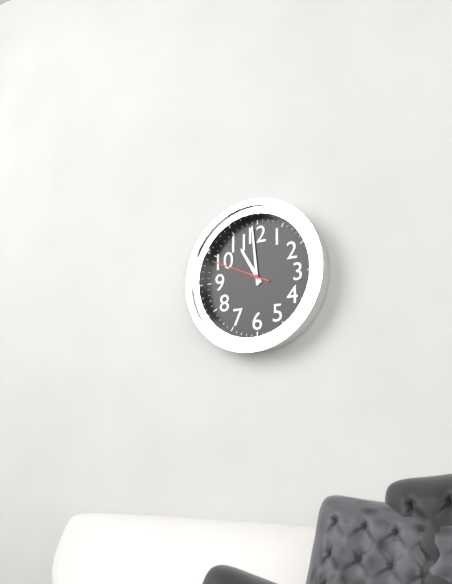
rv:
10.59.49
